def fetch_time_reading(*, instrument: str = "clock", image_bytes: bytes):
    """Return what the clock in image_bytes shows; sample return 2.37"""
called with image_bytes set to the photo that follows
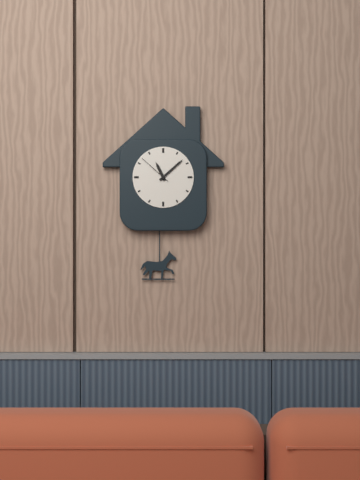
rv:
11.08
